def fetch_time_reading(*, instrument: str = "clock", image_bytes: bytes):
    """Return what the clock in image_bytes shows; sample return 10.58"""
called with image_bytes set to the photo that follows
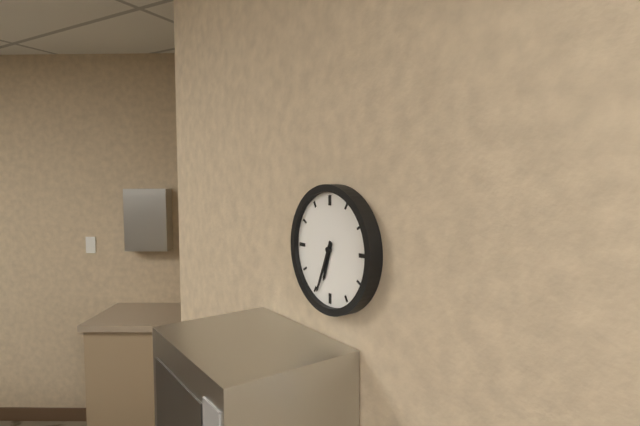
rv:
6.34
